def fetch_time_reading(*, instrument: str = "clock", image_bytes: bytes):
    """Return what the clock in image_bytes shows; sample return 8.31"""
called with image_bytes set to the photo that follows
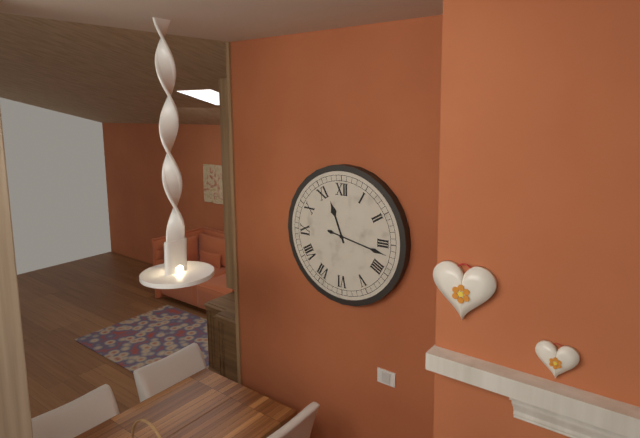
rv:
11.17
